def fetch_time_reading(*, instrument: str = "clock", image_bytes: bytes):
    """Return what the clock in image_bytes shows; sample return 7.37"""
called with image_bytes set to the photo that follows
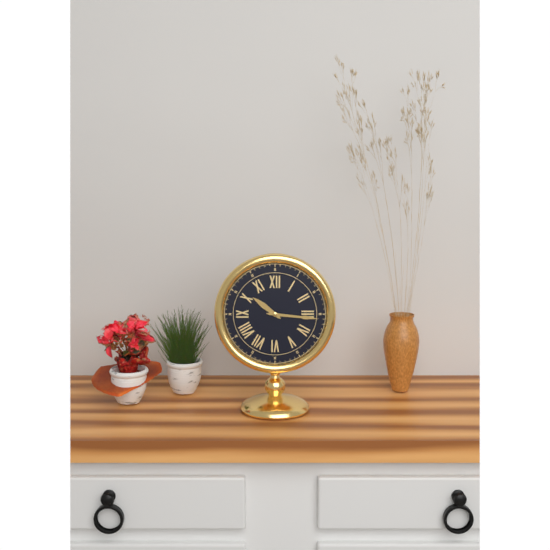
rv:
10.16
